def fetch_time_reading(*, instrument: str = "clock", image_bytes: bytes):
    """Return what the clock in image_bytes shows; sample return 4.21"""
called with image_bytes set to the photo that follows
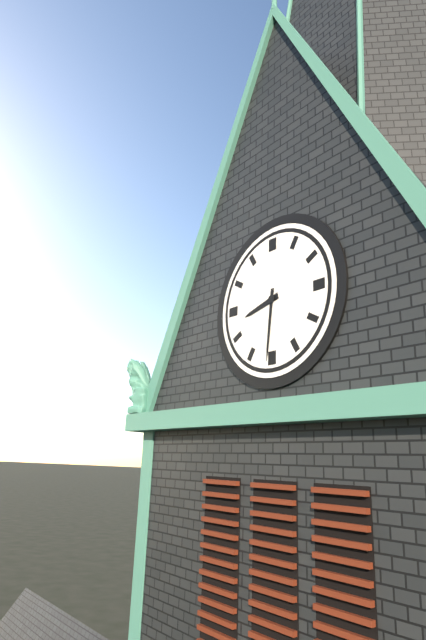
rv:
8.31
